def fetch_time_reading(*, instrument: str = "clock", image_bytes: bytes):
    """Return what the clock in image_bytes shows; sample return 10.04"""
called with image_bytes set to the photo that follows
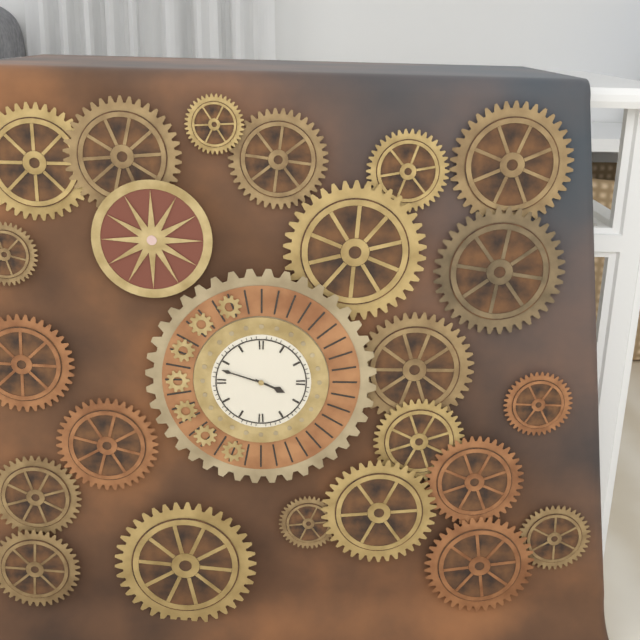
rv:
3.48
